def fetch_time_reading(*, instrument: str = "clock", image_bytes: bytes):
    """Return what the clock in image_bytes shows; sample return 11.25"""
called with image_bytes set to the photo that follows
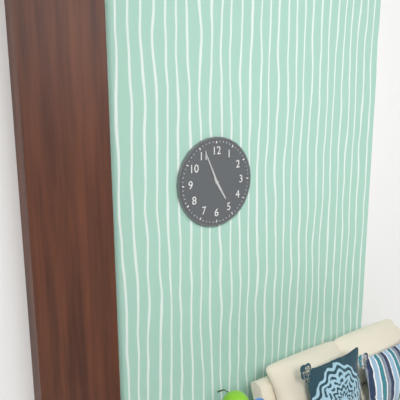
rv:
4.56
